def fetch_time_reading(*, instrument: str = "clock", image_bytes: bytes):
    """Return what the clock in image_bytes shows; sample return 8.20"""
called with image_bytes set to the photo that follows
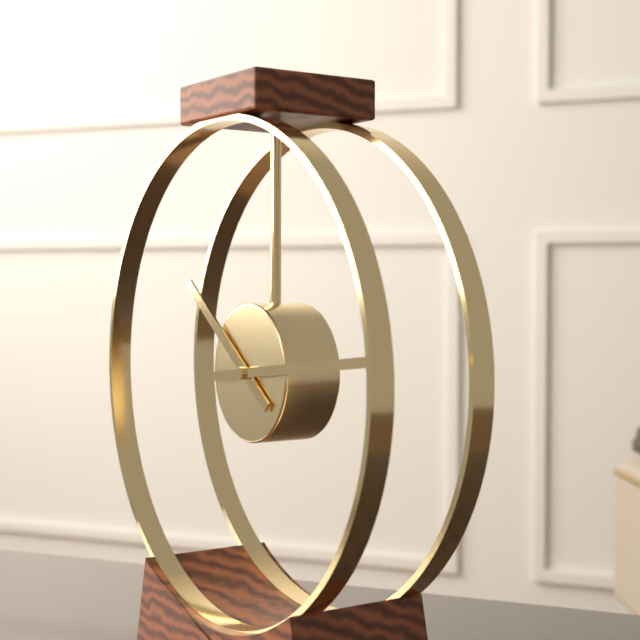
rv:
10.14
